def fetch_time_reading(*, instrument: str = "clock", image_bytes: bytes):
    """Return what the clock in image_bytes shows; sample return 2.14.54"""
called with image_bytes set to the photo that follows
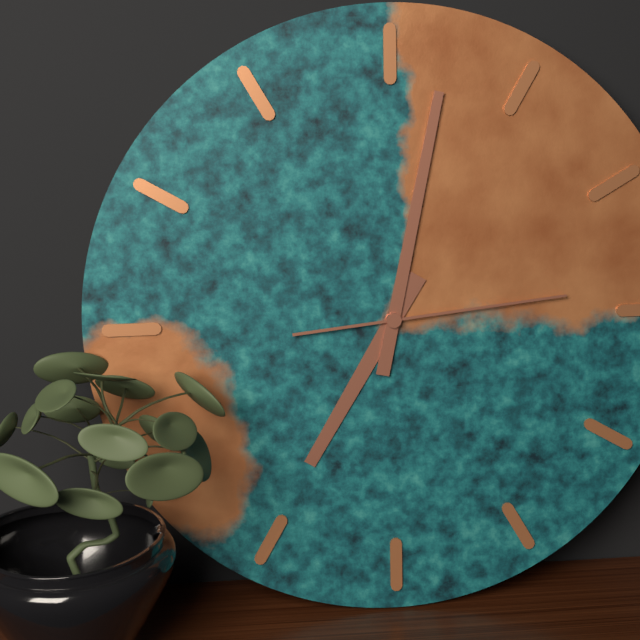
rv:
7.02.14
